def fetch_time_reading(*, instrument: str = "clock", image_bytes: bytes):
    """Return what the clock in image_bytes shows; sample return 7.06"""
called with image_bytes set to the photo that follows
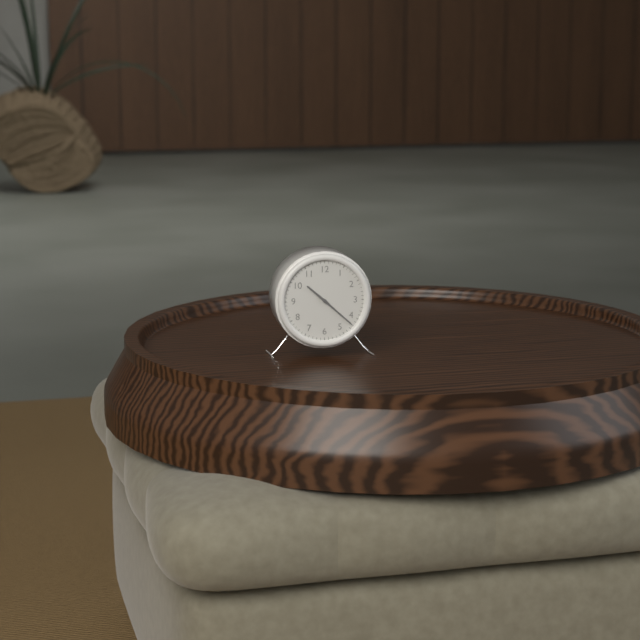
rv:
10.22
